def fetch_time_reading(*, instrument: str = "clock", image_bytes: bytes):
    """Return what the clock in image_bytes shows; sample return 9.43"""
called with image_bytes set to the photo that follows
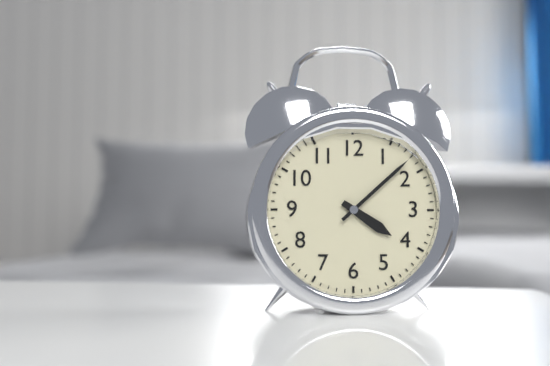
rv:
4.08
